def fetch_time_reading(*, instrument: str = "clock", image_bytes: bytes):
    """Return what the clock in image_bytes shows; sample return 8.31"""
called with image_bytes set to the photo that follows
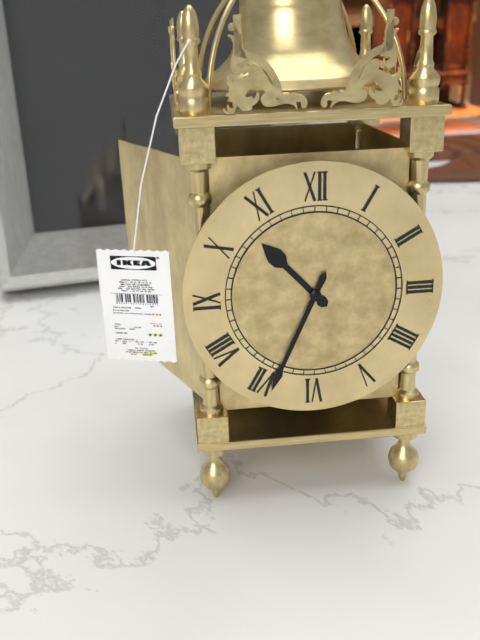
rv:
10.34
